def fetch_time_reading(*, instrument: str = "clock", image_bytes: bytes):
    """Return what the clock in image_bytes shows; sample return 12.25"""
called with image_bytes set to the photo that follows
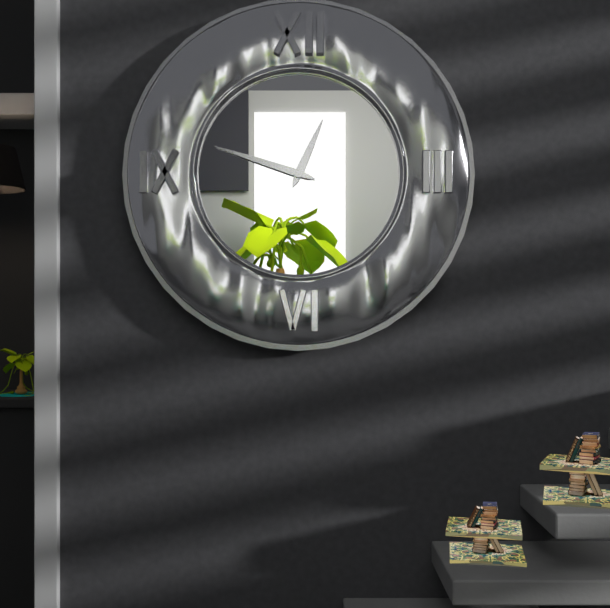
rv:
12.48
